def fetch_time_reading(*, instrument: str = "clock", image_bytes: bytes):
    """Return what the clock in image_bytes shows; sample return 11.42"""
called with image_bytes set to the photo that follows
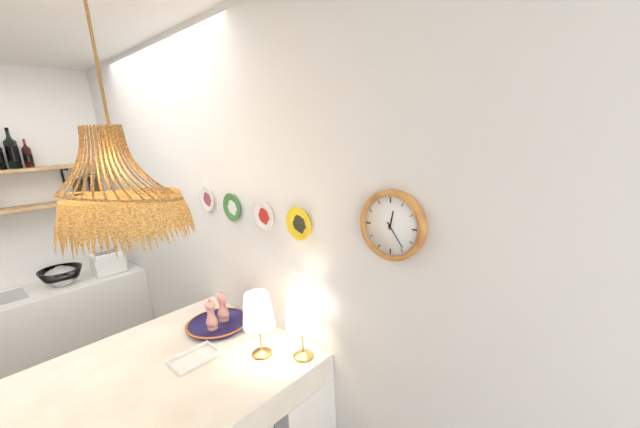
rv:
12.24
